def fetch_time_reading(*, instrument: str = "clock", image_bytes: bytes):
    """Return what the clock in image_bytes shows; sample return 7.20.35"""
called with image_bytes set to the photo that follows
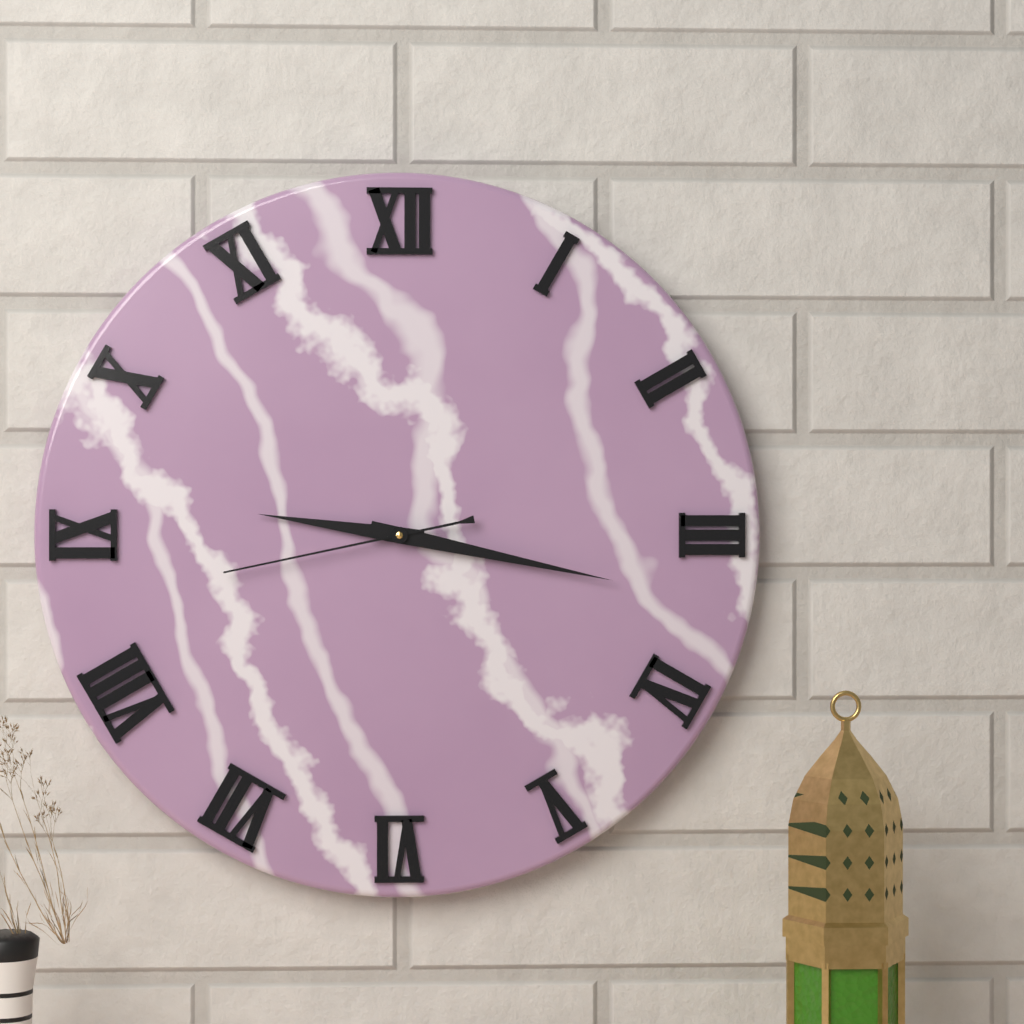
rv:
9.17.43
